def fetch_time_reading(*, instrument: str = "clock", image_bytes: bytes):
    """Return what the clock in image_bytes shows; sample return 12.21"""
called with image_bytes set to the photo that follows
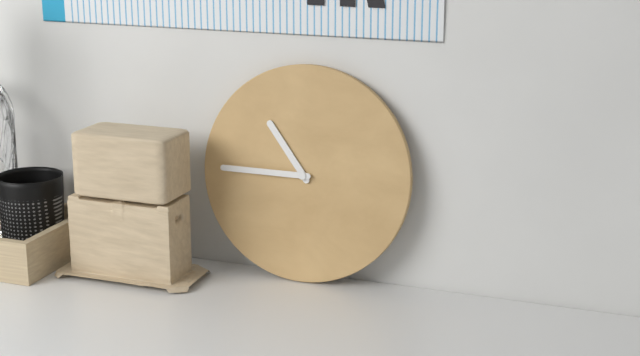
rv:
10.45
